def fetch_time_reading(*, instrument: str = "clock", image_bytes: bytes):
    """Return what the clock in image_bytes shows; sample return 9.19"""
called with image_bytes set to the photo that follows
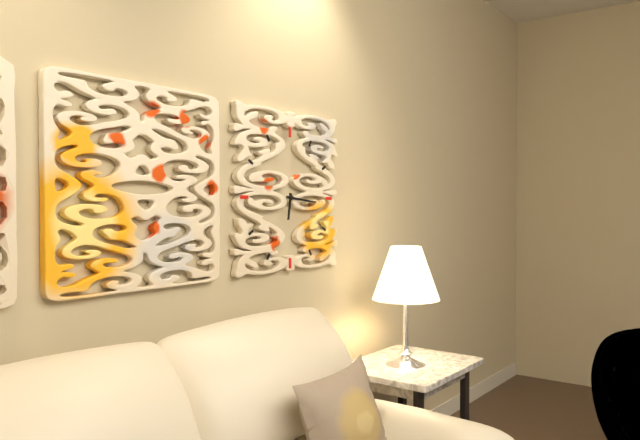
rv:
6.16
